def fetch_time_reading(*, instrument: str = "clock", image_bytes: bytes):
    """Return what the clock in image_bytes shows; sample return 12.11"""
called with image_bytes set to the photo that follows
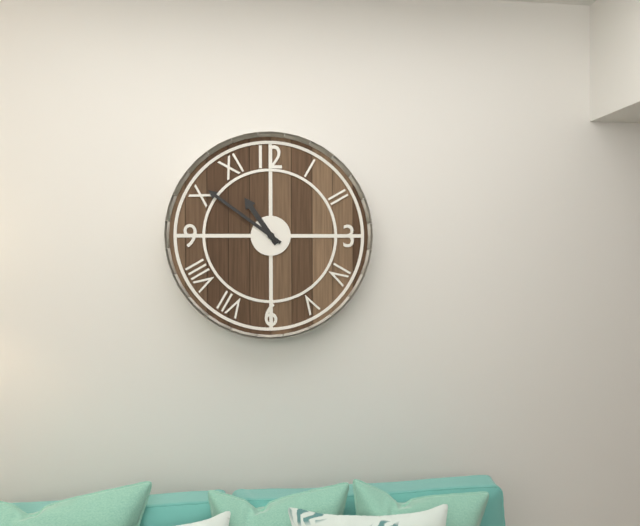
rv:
10.51
